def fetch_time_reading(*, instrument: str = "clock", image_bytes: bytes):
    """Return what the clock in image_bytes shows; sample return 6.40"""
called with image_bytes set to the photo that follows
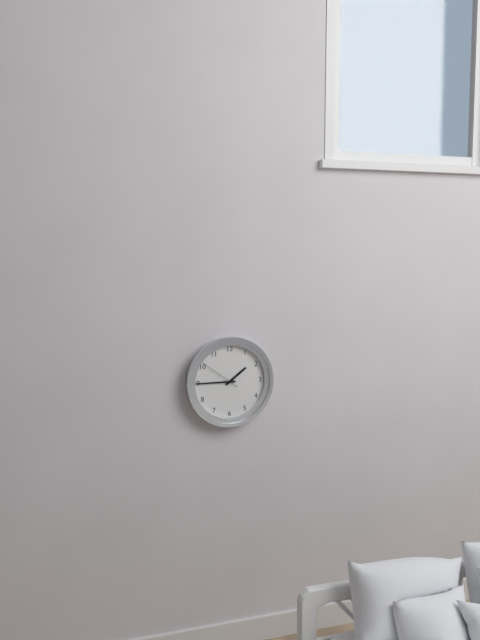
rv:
1.45
